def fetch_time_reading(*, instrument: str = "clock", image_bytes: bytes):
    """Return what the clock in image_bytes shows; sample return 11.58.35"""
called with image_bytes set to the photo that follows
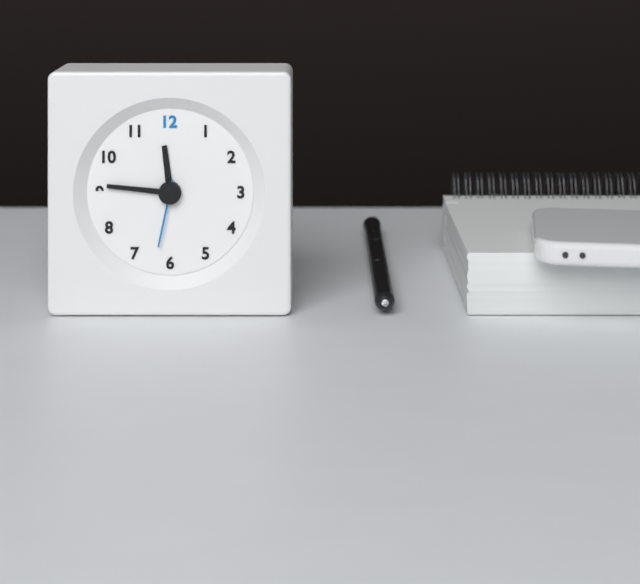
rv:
11.46.32
